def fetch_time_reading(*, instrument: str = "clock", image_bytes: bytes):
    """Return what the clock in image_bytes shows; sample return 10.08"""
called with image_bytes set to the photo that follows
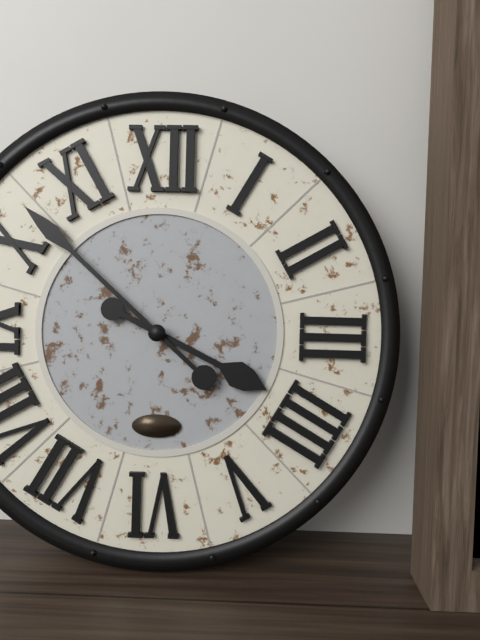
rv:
3.52
